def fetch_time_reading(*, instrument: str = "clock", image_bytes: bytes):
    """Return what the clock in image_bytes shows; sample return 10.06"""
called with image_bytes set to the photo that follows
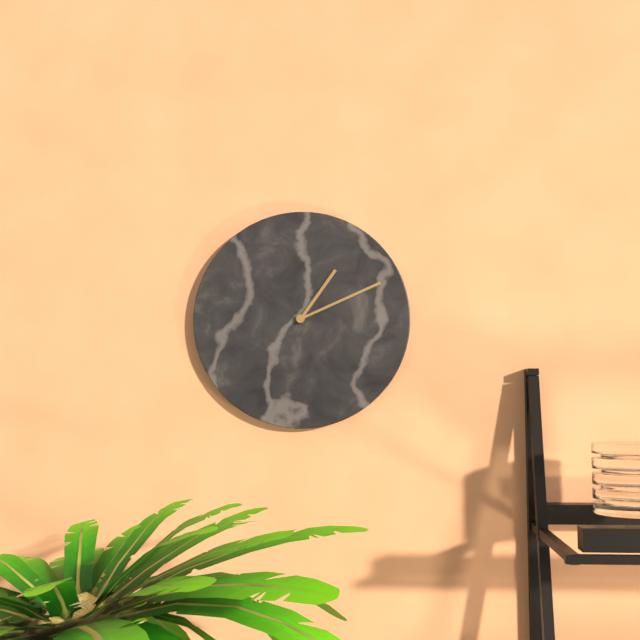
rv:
1.11
